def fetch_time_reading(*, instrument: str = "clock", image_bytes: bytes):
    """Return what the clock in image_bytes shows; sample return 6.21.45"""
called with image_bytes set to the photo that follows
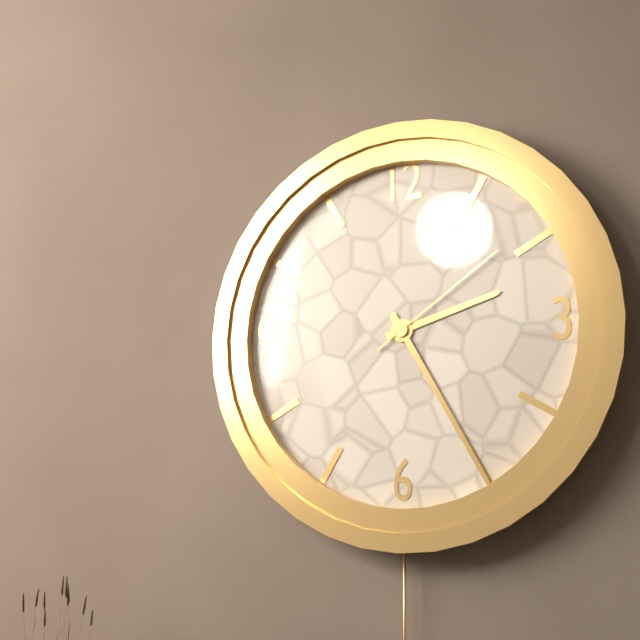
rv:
2.25.09
